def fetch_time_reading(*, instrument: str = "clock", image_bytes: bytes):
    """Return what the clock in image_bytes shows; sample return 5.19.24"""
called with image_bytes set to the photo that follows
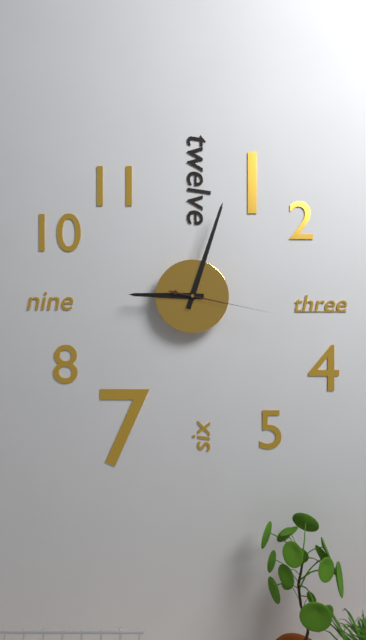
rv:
9.03.17
